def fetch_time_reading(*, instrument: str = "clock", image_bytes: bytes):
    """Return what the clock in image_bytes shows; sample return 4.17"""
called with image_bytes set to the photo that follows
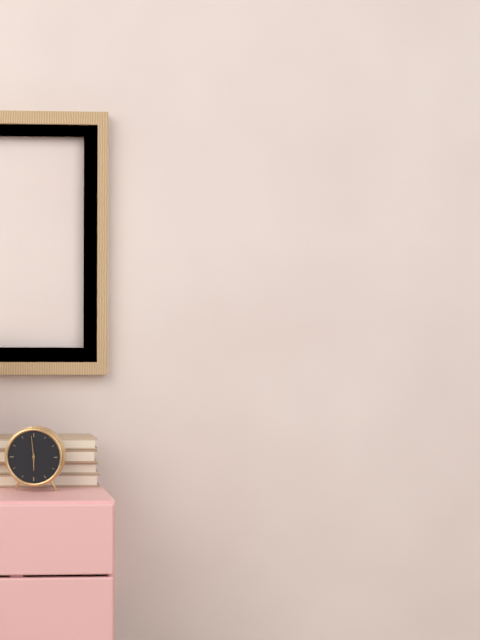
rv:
5.59
